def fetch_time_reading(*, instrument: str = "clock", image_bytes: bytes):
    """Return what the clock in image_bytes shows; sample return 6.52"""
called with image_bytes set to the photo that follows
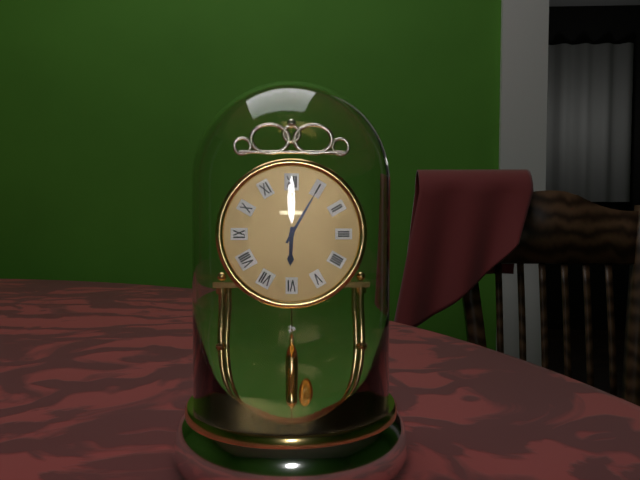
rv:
6.05
